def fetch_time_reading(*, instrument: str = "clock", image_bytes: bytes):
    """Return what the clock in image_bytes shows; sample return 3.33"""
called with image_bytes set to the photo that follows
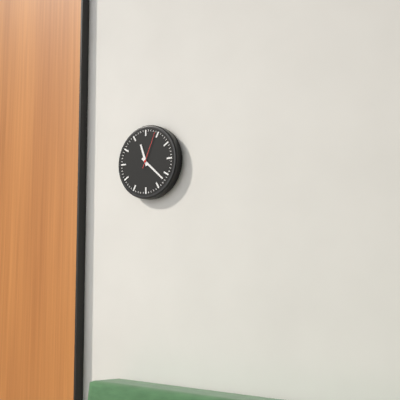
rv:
11.22
